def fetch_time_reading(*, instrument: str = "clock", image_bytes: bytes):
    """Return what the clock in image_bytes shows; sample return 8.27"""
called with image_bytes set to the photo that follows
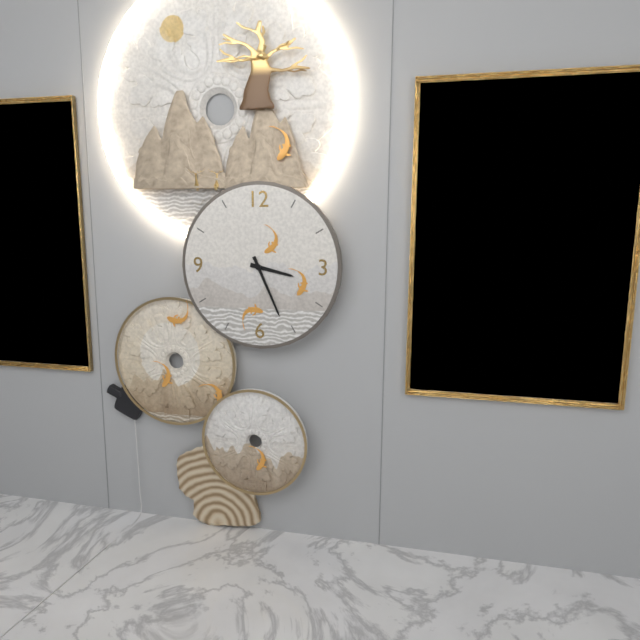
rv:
3.26
